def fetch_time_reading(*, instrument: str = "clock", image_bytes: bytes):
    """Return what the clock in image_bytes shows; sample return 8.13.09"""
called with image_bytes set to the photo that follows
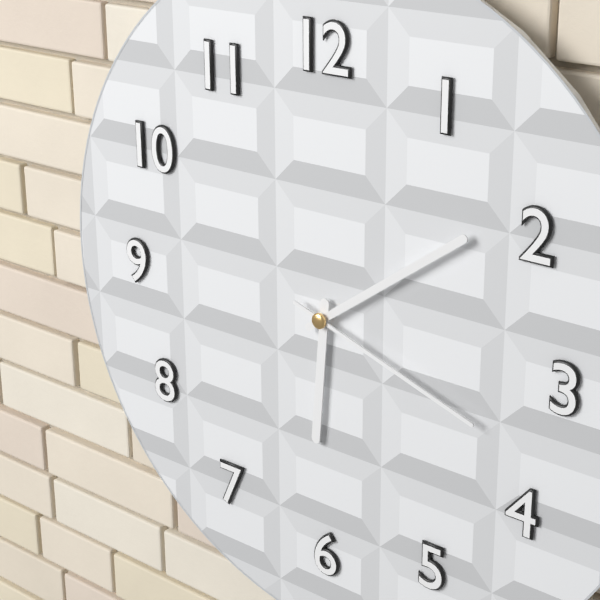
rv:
6.09.18
